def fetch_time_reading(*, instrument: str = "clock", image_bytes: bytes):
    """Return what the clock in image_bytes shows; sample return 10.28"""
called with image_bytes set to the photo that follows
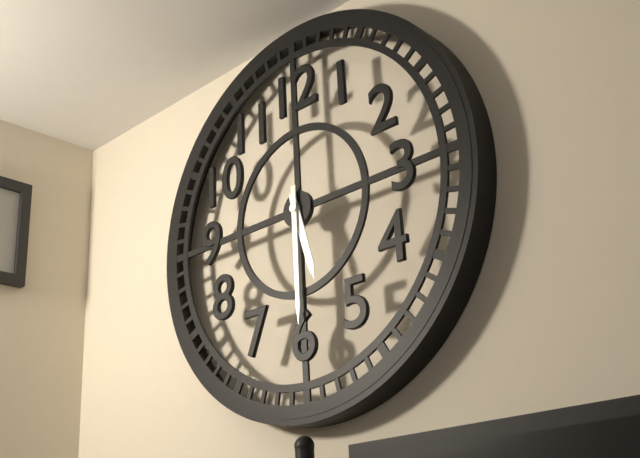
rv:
5.30
